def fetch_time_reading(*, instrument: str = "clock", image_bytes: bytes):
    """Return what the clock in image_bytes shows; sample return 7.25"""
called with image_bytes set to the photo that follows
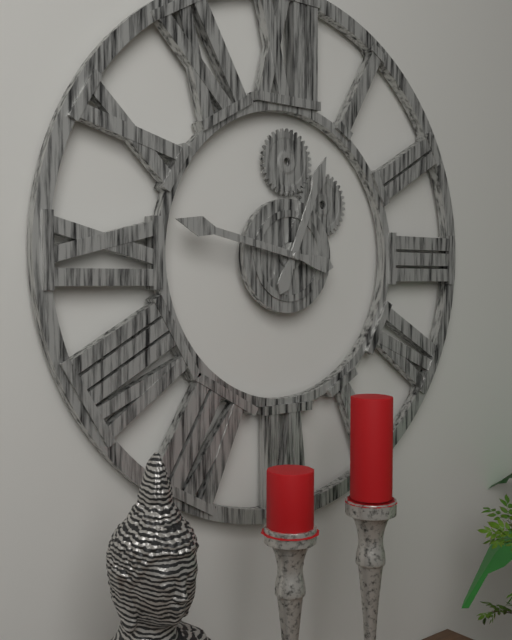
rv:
12.47
